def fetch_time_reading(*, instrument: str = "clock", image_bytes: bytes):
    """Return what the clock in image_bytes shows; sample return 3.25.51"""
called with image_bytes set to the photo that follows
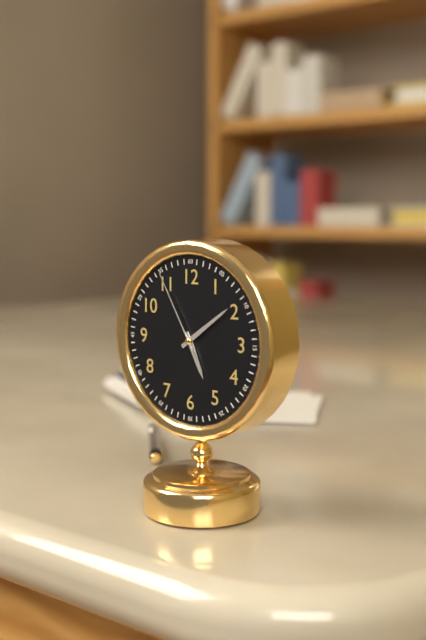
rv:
5.09.55
